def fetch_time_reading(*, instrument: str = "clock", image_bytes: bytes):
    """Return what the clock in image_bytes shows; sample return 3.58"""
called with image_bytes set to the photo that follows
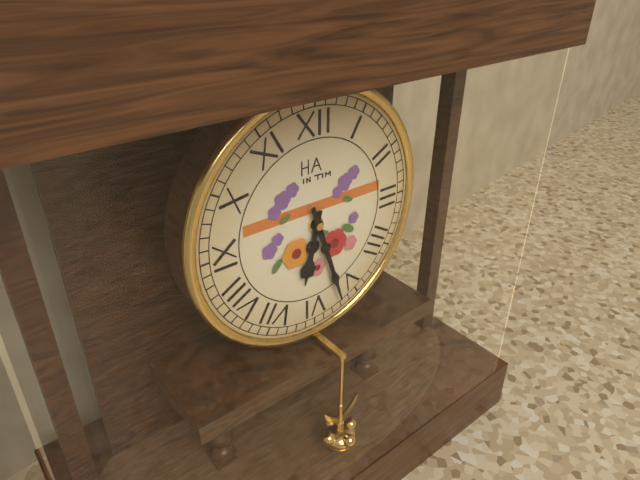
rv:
6.27
